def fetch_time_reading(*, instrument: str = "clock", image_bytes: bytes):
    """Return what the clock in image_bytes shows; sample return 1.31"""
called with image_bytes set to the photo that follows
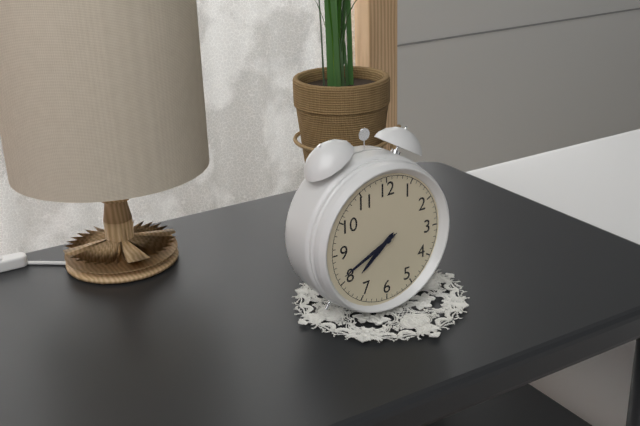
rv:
7.41
